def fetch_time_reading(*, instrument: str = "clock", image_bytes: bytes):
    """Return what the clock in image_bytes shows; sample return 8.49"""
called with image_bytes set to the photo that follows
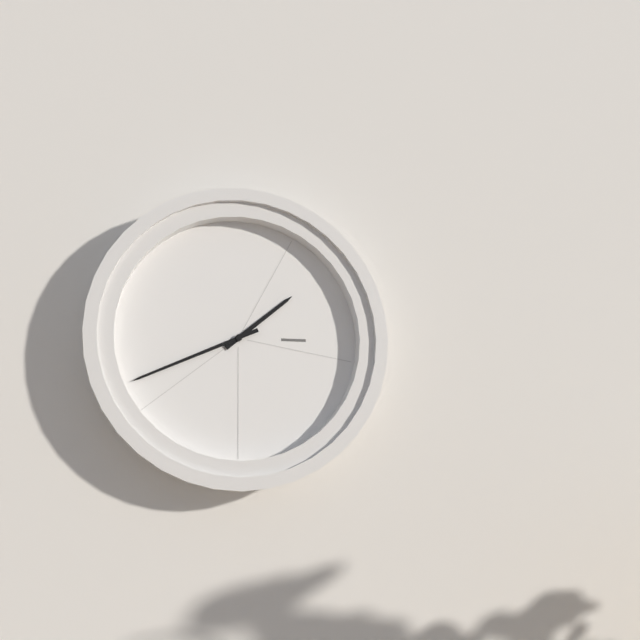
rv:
1.41
